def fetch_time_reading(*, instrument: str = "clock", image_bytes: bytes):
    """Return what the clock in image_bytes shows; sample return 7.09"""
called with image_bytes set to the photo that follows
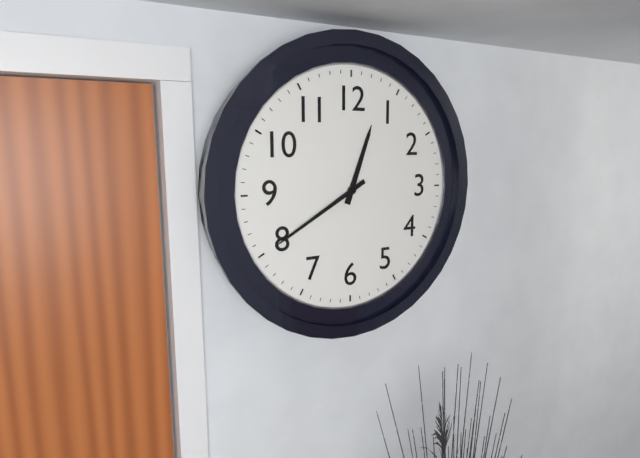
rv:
12.40
